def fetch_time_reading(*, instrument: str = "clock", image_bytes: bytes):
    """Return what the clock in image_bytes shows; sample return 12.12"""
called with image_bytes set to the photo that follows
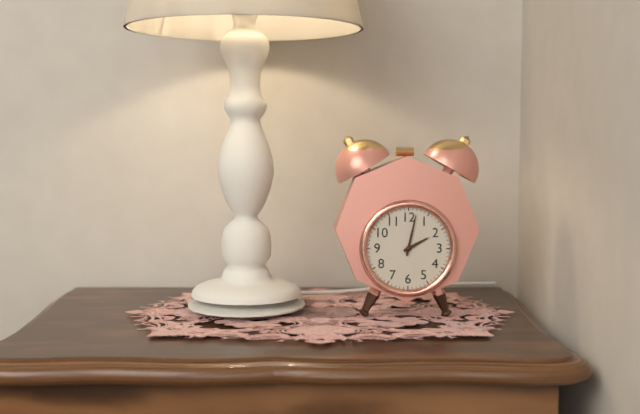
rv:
2.02
